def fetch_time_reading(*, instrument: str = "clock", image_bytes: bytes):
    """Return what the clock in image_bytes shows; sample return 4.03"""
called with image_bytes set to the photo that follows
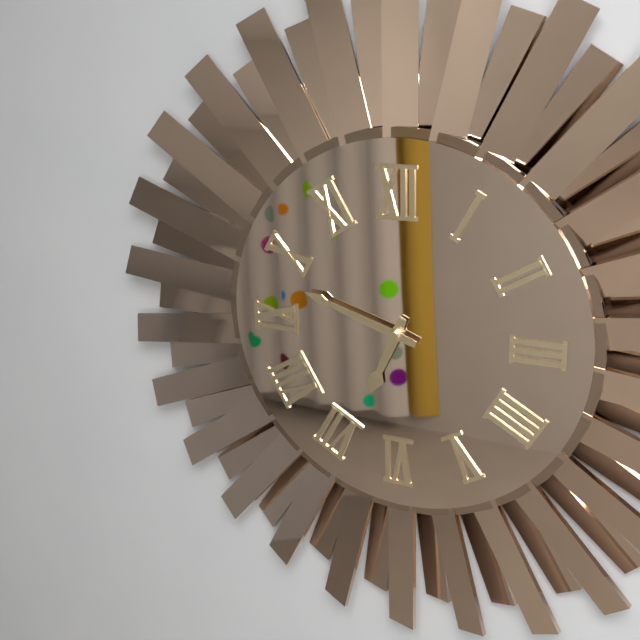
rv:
6.48
